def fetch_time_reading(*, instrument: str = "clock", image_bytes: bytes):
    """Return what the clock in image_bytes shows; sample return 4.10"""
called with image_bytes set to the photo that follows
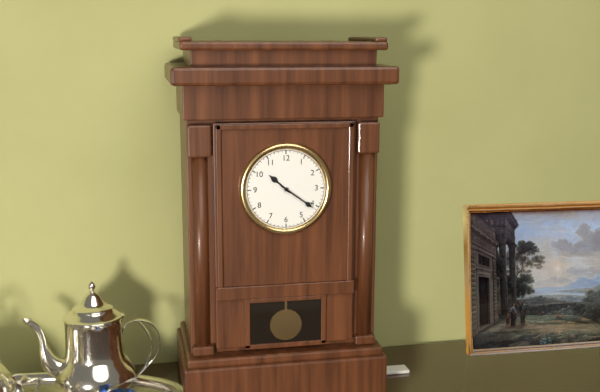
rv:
10.21
